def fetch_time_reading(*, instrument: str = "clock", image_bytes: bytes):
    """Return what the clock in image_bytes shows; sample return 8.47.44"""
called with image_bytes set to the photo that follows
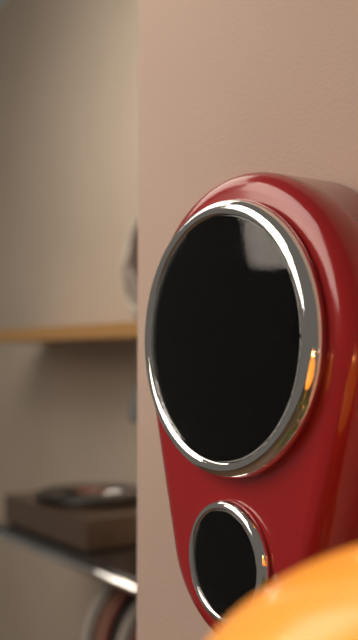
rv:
8.09.23
